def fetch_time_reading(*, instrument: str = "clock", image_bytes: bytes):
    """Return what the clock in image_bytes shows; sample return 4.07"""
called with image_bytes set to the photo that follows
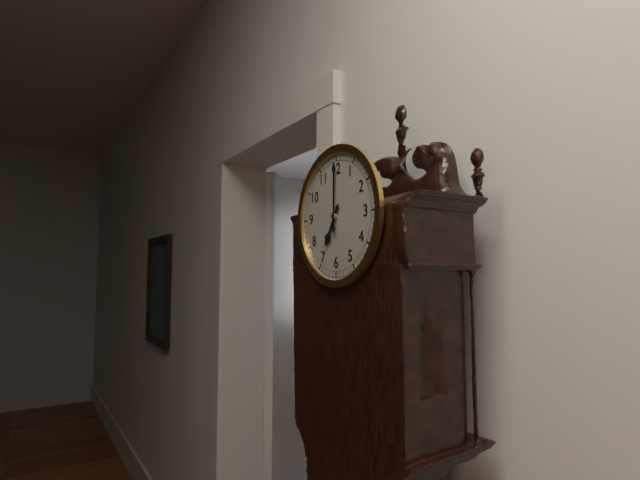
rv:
7.00
